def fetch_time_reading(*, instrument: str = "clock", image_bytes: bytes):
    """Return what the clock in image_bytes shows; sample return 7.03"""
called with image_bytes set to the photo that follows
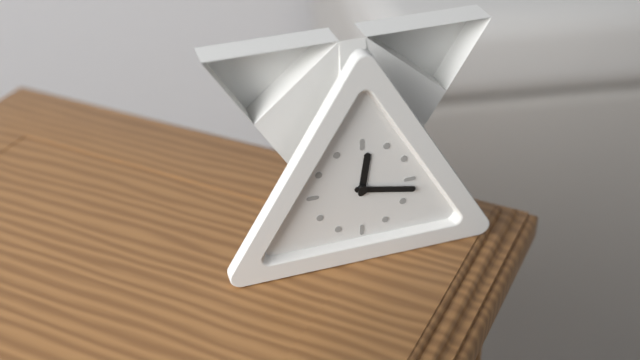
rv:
12.17
